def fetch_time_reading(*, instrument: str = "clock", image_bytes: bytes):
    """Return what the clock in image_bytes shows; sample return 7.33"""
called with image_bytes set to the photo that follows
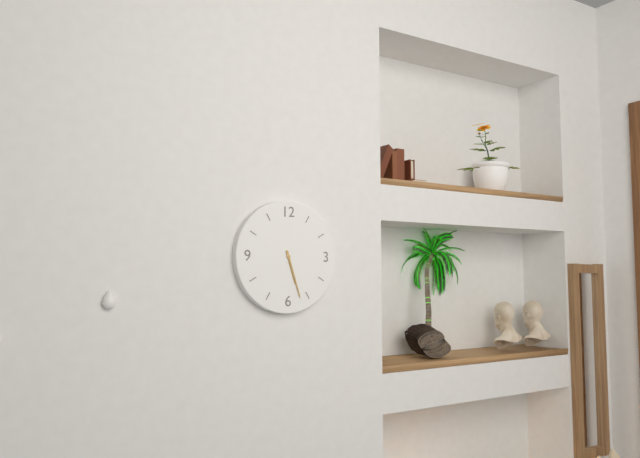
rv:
5.27
